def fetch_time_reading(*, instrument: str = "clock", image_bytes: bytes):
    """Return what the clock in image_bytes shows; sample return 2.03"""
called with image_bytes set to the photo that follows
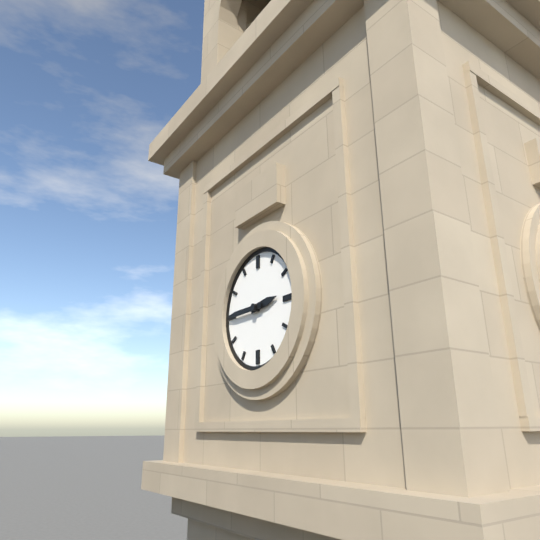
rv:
2.45
